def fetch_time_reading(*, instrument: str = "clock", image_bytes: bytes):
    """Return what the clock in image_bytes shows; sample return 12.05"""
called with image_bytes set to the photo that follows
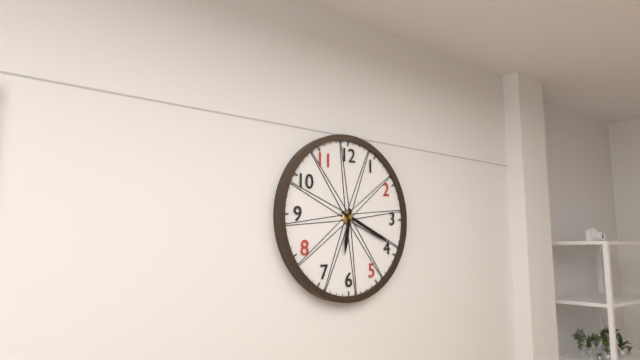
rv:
6.19
